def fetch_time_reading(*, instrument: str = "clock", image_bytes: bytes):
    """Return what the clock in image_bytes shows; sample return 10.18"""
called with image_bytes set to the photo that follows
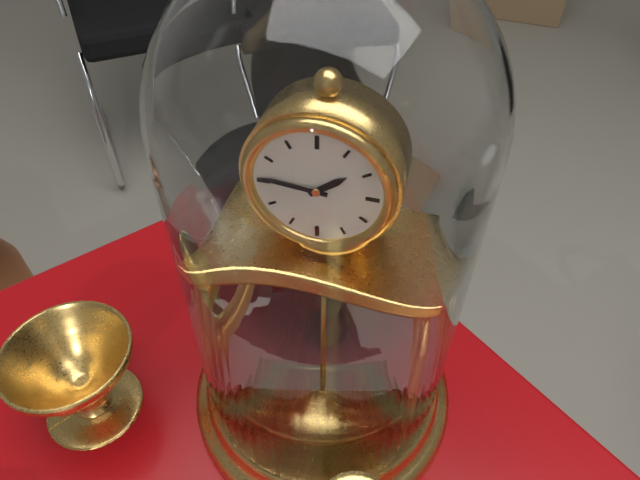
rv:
1.46
